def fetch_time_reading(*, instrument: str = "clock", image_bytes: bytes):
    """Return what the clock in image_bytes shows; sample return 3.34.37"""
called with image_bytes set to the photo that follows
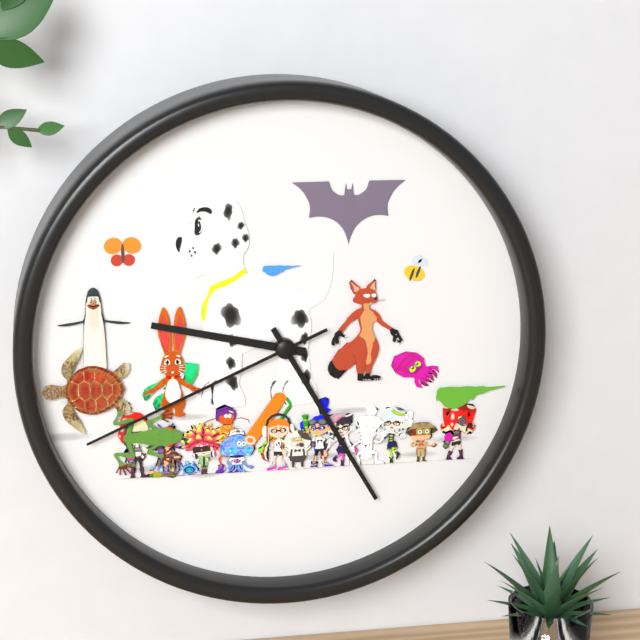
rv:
9.25.41
